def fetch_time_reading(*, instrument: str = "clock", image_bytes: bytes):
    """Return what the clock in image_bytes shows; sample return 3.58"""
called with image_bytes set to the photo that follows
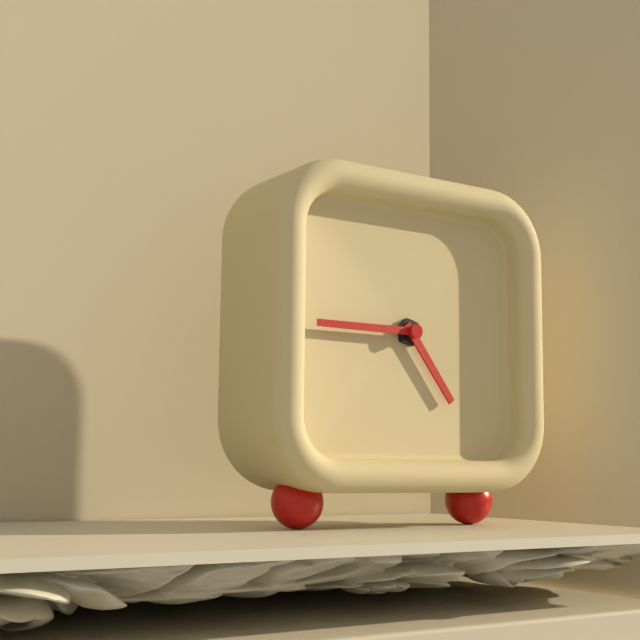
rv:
4.45
